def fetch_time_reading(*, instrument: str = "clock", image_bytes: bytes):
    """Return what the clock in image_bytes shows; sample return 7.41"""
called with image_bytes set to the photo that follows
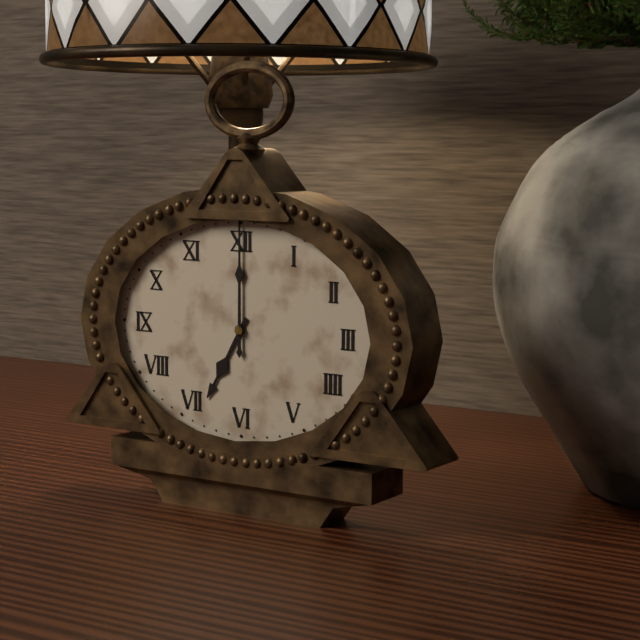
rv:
7.00
